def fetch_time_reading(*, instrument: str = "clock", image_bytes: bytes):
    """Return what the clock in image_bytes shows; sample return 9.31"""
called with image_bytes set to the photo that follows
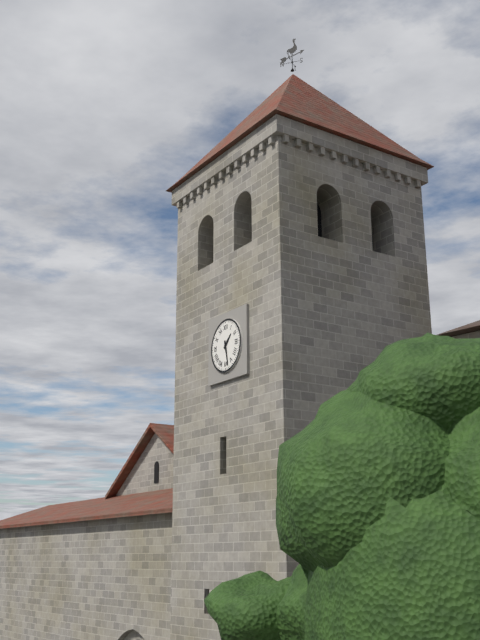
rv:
1.28
